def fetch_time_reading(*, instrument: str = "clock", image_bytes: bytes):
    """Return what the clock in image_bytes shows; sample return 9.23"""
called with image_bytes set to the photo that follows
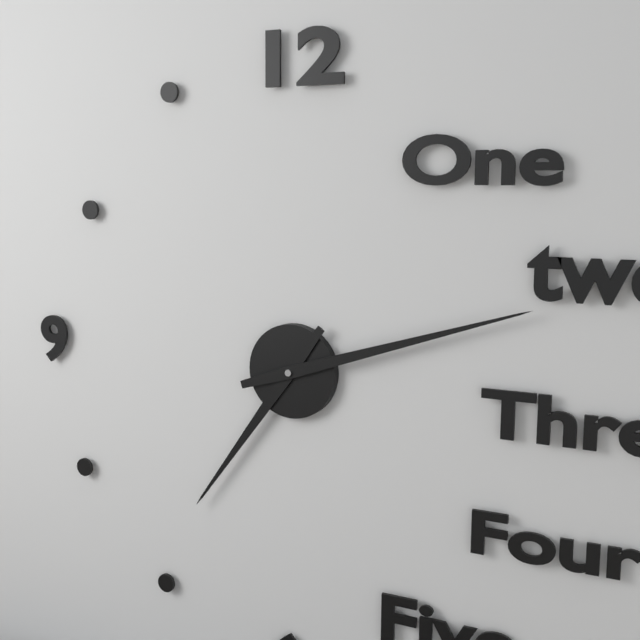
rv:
7.12
